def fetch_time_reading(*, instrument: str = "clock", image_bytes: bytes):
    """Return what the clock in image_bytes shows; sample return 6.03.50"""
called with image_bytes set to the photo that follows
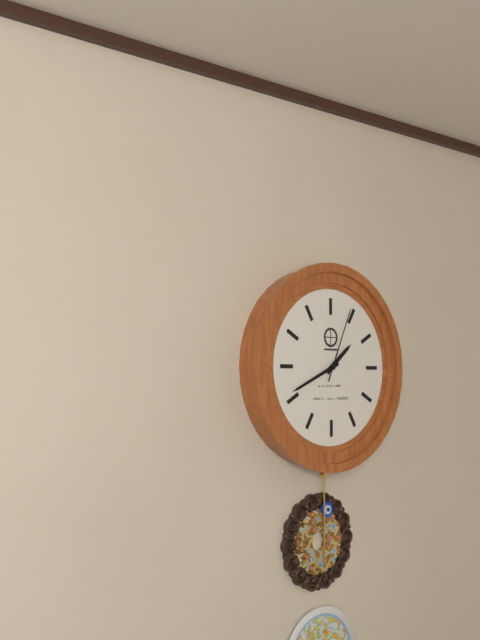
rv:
1.41.04
